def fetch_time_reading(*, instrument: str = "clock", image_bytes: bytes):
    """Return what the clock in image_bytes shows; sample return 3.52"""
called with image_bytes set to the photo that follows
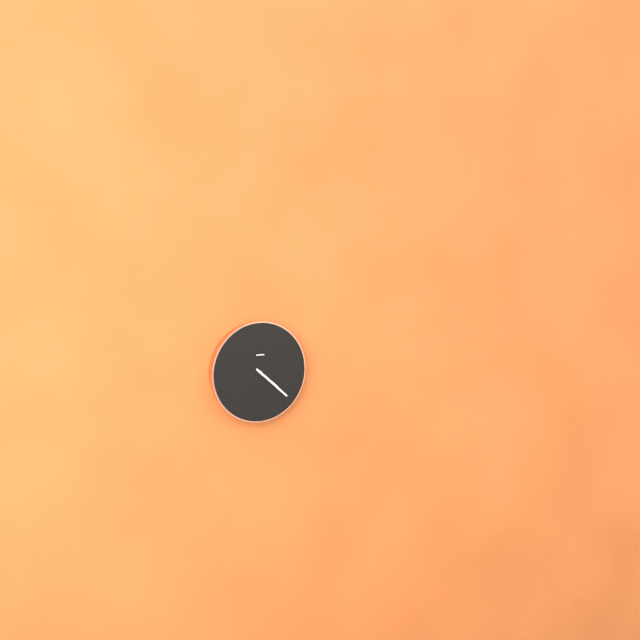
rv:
4.22
